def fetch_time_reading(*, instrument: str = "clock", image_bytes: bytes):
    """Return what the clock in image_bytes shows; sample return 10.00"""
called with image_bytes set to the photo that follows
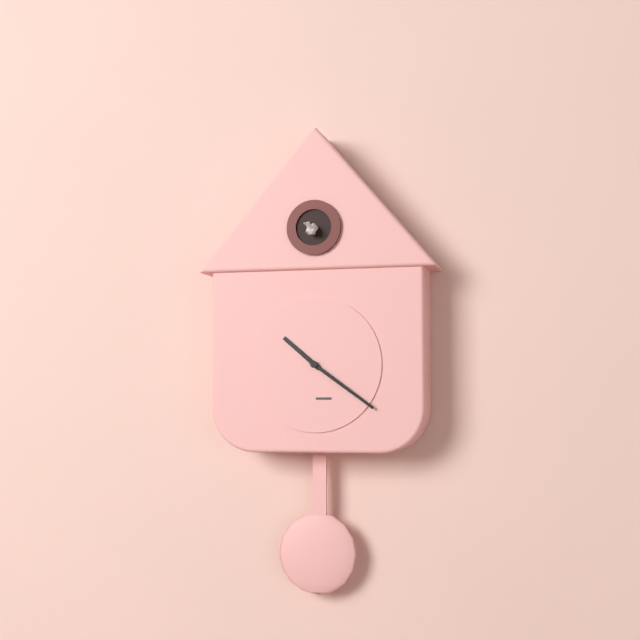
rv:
10.21
